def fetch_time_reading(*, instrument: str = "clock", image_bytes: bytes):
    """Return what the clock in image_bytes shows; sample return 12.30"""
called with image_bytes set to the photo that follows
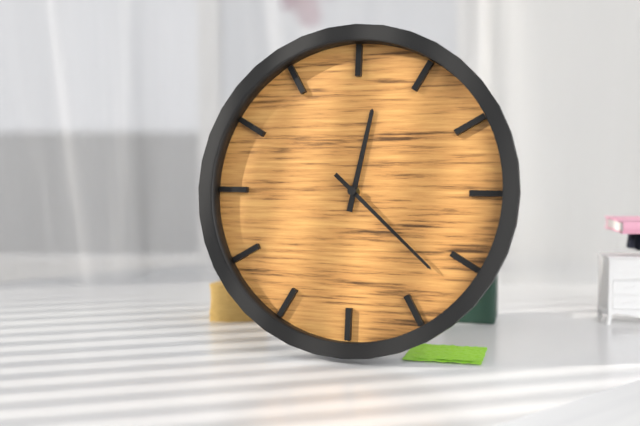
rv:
12.22
